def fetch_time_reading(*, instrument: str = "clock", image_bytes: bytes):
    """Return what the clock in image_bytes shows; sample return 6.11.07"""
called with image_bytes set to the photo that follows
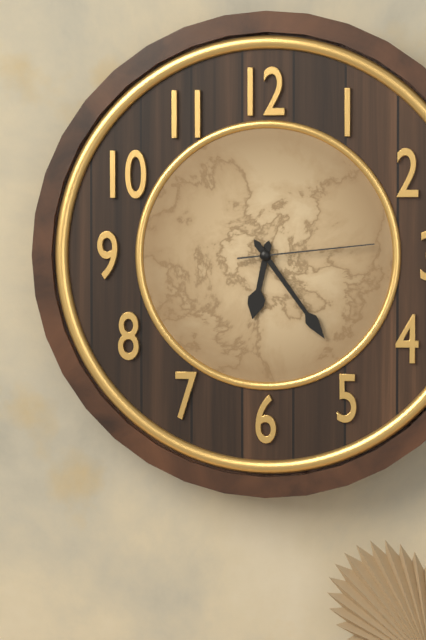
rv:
6.24.14
